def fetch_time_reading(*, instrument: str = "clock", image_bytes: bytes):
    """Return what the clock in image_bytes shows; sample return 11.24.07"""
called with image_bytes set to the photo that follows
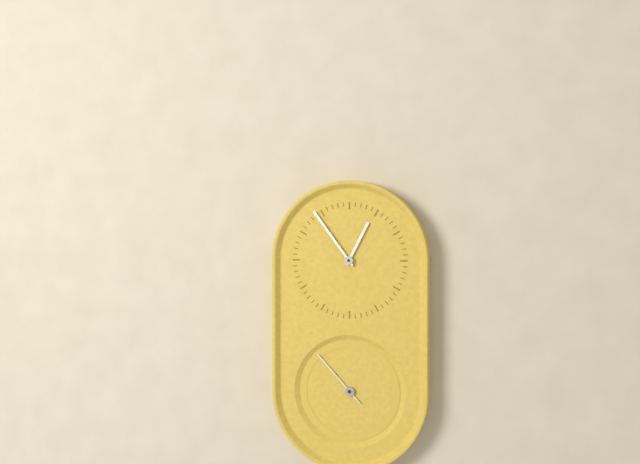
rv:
12.54.53
